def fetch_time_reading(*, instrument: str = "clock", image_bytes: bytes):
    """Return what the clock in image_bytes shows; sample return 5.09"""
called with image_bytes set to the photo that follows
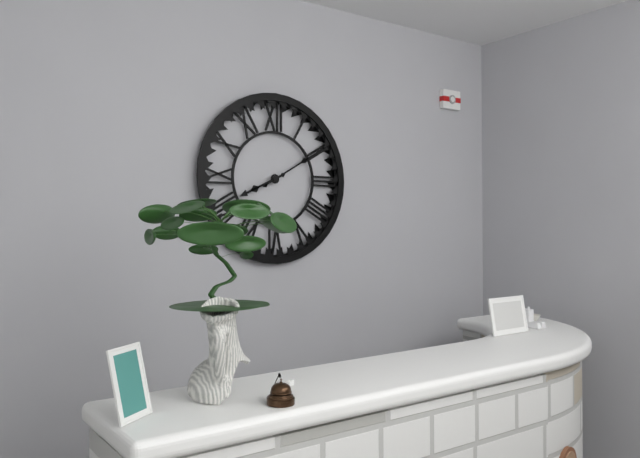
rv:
8.10
